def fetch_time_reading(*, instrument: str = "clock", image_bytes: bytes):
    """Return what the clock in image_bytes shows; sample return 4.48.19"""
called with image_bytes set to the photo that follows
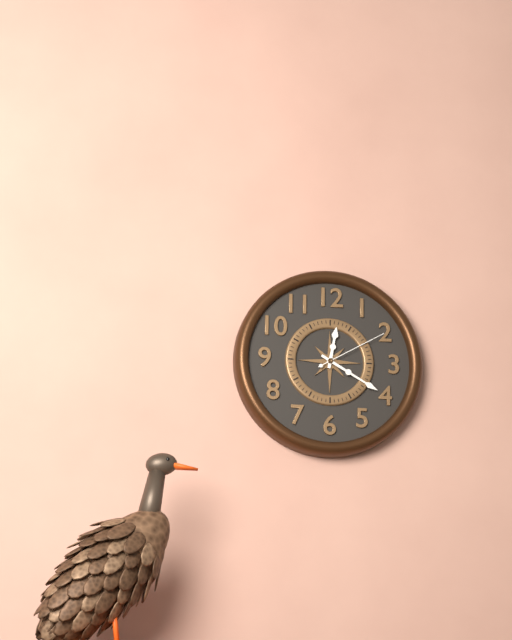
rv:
12.20.10
